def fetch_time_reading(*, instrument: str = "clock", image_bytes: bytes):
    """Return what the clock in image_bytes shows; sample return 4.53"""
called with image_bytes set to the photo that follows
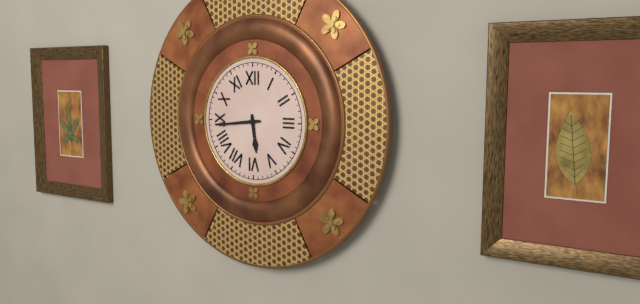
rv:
5.44
